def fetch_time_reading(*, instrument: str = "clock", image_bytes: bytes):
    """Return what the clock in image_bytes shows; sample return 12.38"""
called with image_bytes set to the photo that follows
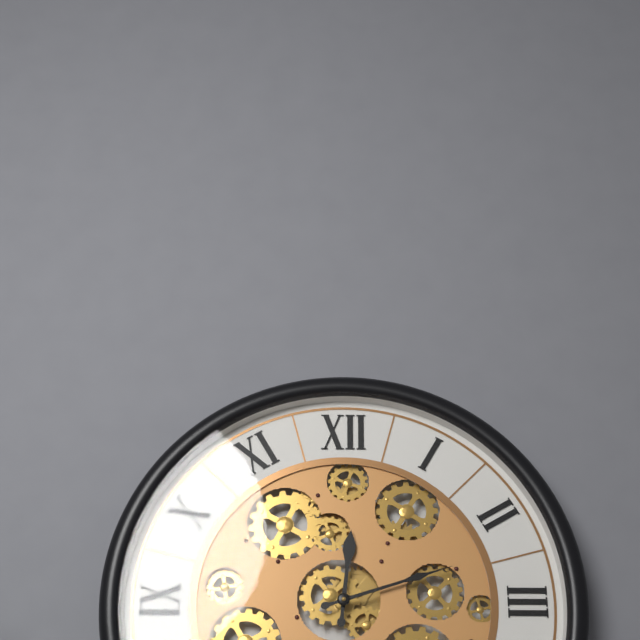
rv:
12.12
